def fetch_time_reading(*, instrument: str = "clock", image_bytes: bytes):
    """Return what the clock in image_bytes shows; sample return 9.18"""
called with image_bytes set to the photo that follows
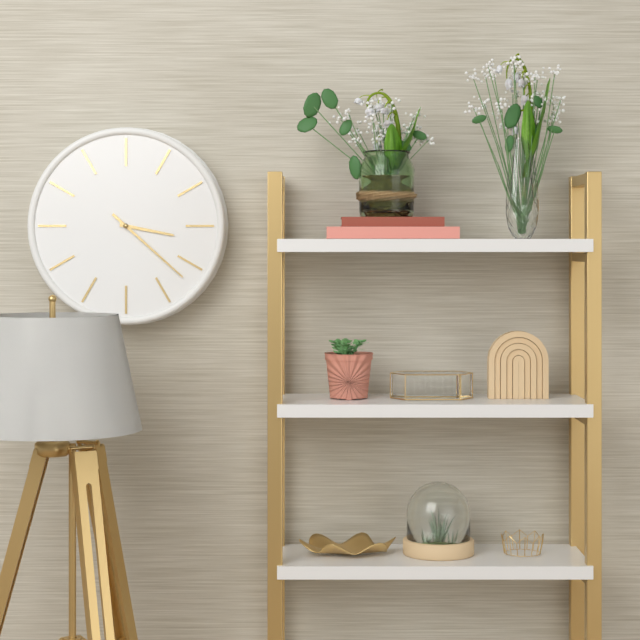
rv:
3.22
